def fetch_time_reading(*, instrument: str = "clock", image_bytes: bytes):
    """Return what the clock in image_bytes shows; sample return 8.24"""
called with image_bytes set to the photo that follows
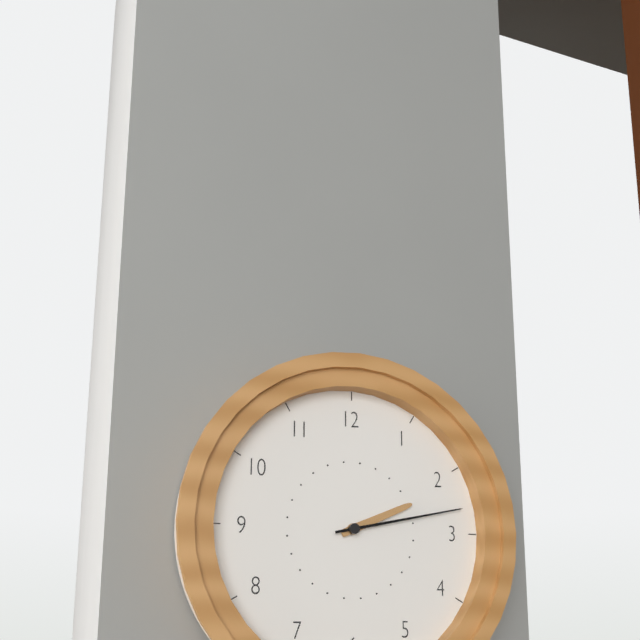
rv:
2.13
